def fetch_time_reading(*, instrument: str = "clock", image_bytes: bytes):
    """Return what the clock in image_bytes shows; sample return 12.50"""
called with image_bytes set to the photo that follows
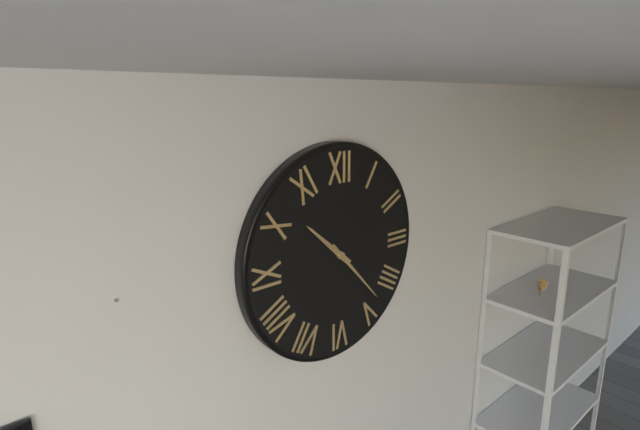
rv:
10.23
